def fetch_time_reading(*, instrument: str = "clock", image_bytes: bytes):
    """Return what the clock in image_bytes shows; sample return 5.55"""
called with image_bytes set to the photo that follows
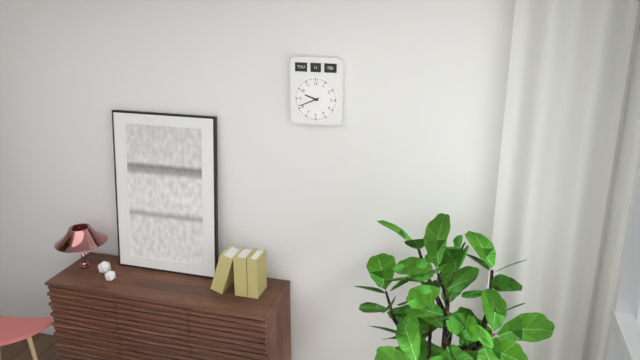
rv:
9.41
